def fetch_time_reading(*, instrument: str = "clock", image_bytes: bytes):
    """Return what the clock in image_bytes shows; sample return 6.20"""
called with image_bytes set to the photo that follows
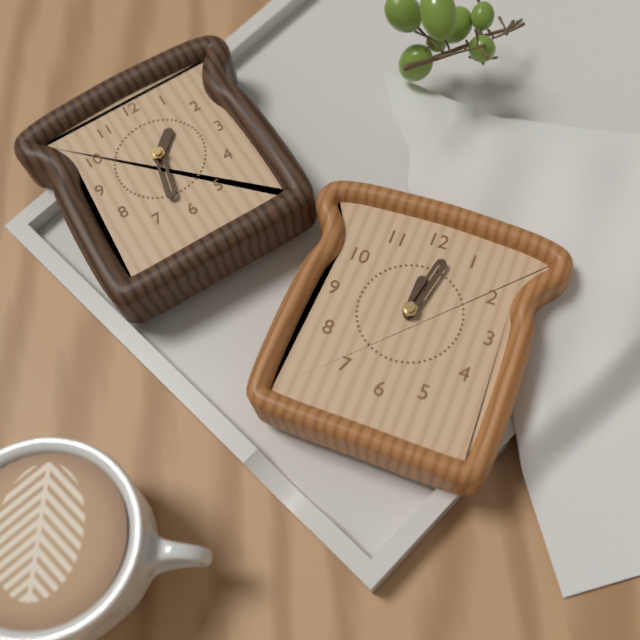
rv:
12.02
